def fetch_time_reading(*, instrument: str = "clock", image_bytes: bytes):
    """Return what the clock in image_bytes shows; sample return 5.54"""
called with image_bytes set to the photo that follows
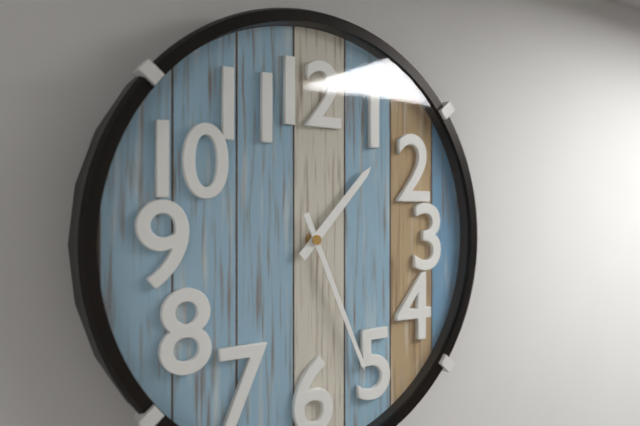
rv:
1.26
